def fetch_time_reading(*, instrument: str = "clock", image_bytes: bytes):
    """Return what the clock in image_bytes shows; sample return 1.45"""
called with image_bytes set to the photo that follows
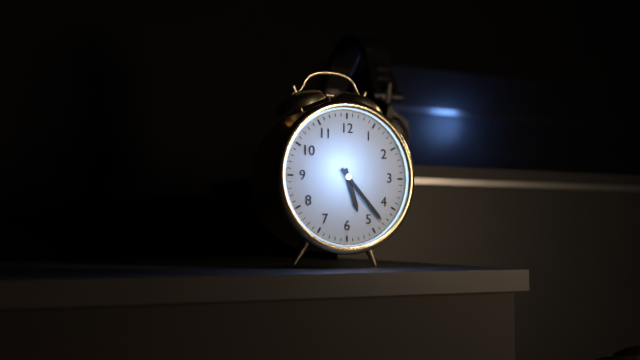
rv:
5.23
